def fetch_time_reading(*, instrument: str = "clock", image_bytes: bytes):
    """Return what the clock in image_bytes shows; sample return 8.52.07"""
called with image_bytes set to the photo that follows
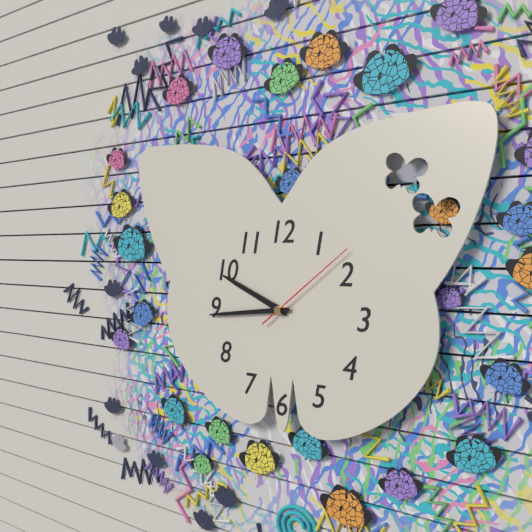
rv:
9.44.09
